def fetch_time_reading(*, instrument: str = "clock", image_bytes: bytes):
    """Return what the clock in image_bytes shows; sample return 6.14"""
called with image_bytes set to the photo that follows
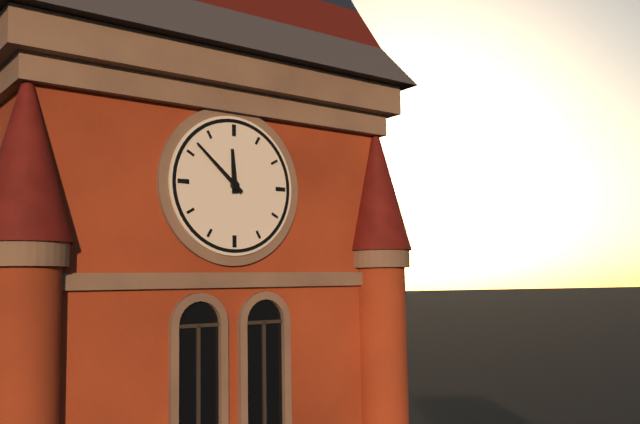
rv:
11.52
